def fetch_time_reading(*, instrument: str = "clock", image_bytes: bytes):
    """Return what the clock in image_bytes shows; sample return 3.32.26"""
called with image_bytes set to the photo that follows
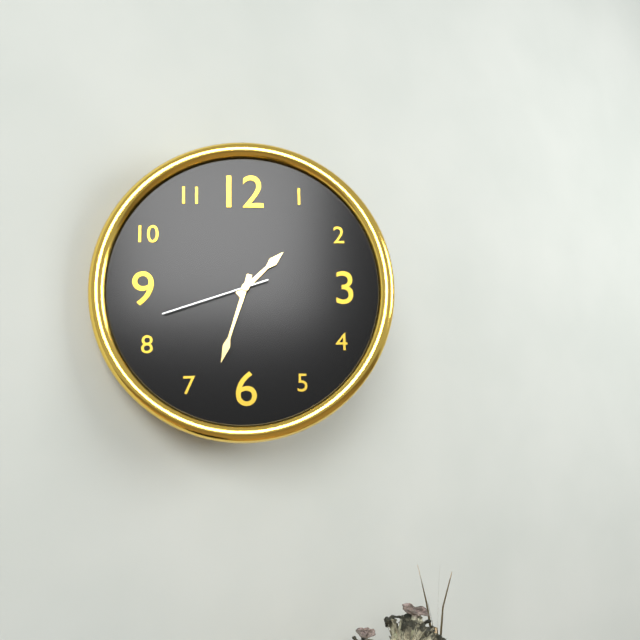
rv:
1.33.42
